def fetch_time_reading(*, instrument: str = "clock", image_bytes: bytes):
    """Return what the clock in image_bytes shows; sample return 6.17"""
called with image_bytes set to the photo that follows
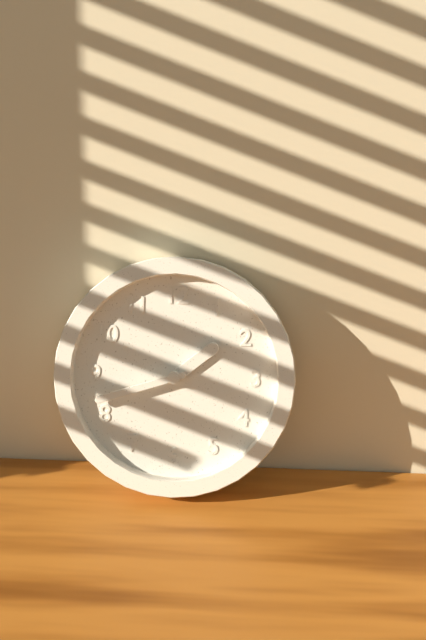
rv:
1.42
